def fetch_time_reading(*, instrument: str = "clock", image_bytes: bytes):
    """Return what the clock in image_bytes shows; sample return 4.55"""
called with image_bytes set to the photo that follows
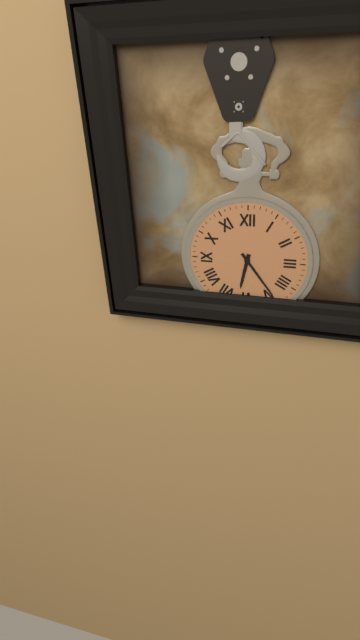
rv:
6.24
